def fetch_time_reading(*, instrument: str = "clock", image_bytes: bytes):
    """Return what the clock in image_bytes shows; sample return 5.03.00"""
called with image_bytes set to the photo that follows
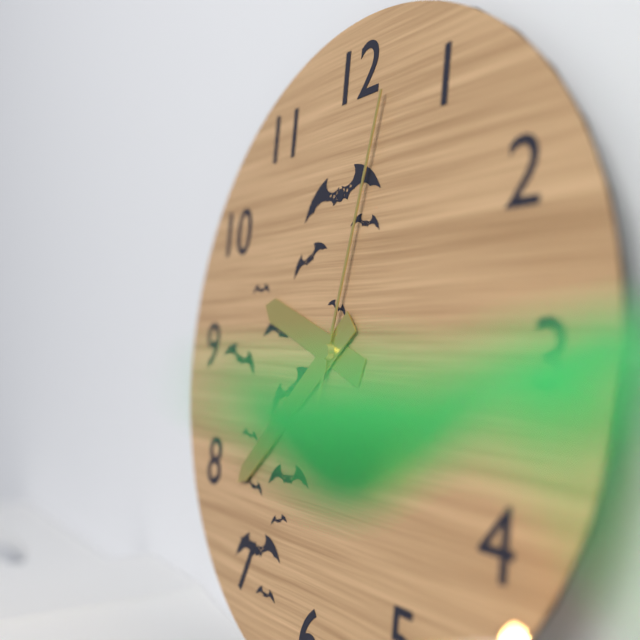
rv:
9.38.02
